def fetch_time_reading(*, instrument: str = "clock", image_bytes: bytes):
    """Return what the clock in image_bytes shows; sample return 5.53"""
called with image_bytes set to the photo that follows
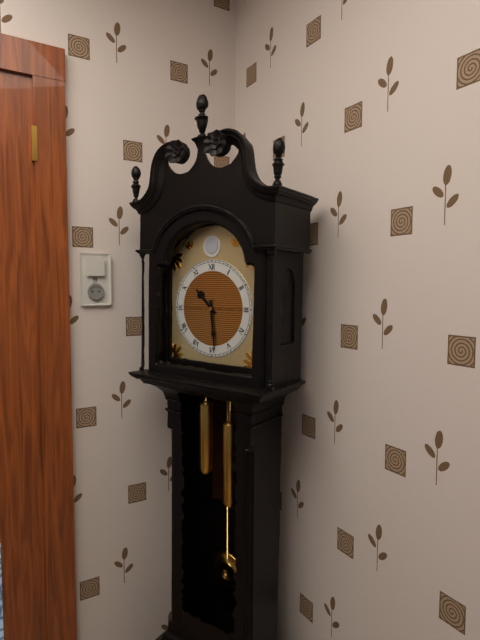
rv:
10.29
